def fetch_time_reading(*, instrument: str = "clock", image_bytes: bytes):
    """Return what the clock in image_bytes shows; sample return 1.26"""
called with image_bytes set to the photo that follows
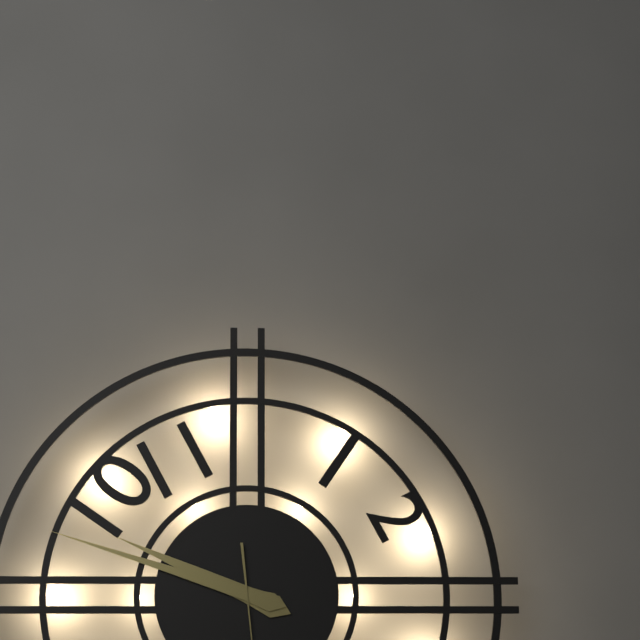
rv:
9.48
